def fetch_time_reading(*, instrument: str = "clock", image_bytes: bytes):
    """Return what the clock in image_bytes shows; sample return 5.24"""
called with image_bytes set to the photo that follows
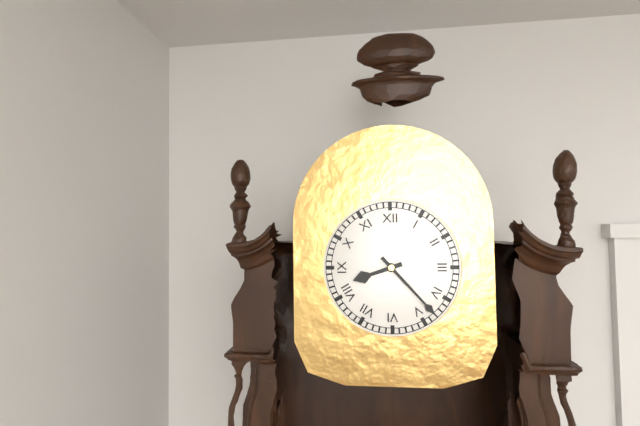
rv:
8.23
